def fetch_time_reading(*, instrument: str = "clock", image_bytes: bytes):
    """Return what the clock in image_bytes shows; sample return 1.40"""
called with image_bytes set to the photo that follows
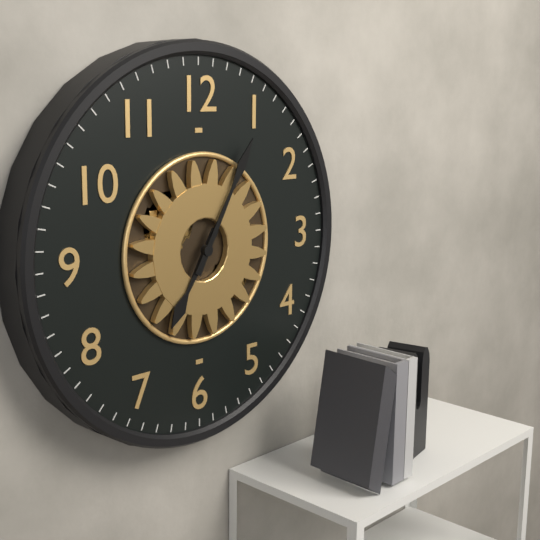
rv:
7.05
